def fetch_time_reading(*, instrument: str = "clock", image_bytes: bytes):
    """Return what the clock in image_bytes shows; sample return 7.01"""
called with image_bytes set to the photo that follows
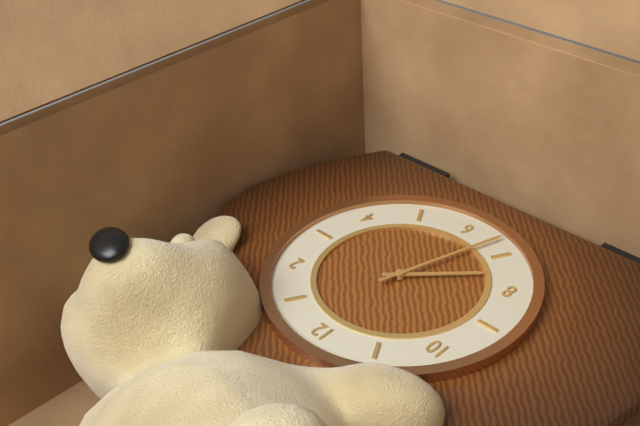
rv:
7.33
